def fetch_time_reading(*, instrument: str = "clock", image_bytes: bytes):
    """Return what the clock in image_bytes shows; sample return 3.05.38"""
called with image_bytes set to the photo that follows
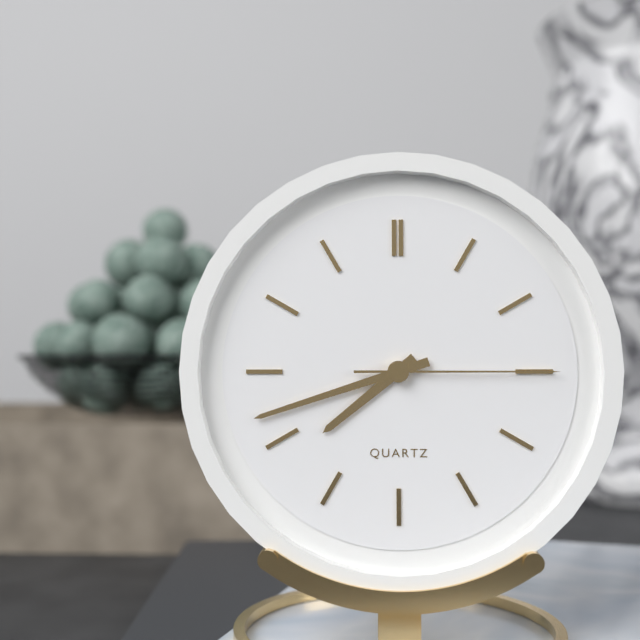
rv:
7.42.15
